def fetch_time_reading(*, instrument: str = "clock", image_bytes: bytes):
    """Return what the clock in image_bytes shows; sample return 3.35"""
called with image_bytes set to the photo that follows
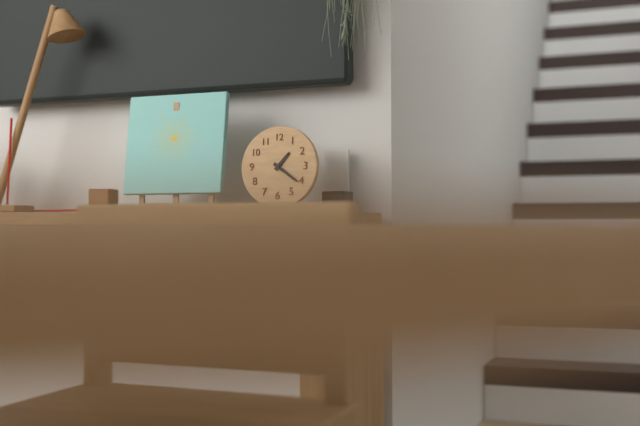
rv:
1.21
